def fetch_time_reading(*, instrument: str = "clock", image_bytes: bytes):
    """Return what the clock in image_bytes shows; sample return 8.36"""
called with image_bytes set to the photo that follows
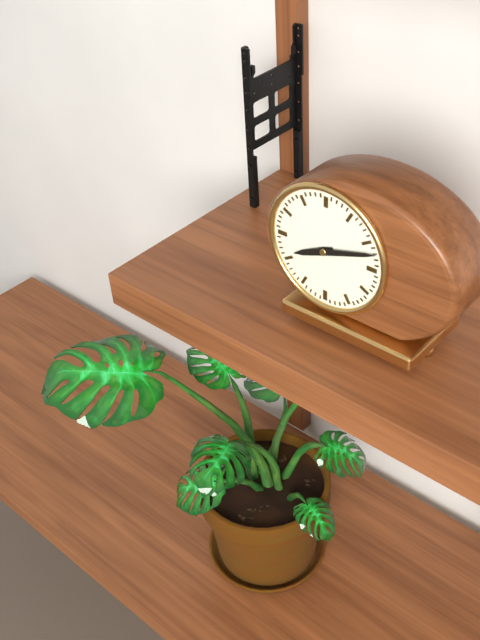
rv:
8.12
